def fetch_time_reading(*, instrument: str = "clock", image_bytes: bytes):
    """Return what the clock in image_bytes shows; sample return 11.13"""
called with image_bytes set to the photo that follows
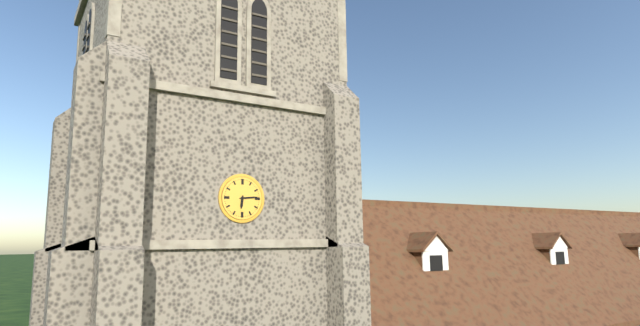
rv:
6.14
